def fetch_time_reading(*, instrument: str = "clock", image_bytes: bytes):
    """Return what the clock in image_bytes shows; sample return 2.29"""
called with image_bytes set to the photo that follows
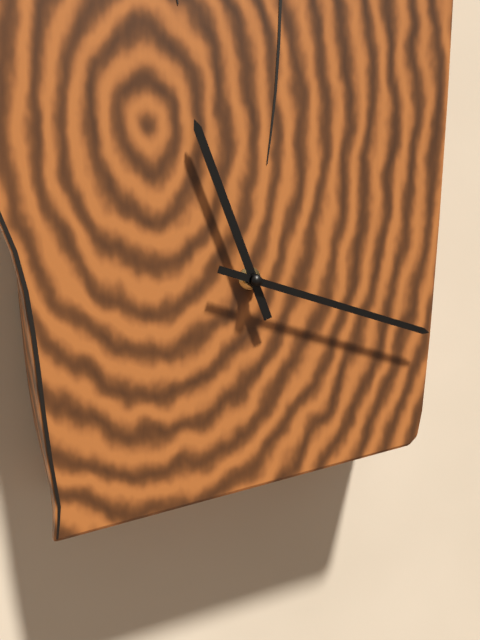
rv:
11.18
